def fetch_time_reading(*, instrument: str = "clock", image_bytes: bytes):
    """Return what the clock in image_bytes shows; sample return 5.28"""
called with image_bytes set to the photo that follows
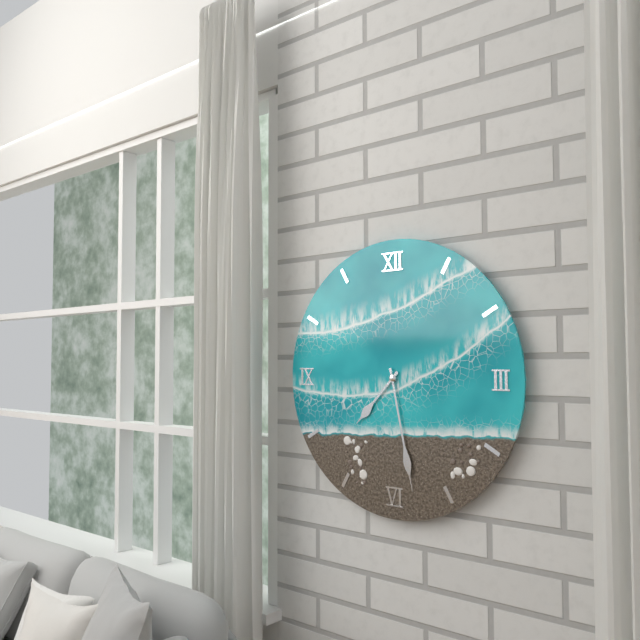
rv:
7.28
